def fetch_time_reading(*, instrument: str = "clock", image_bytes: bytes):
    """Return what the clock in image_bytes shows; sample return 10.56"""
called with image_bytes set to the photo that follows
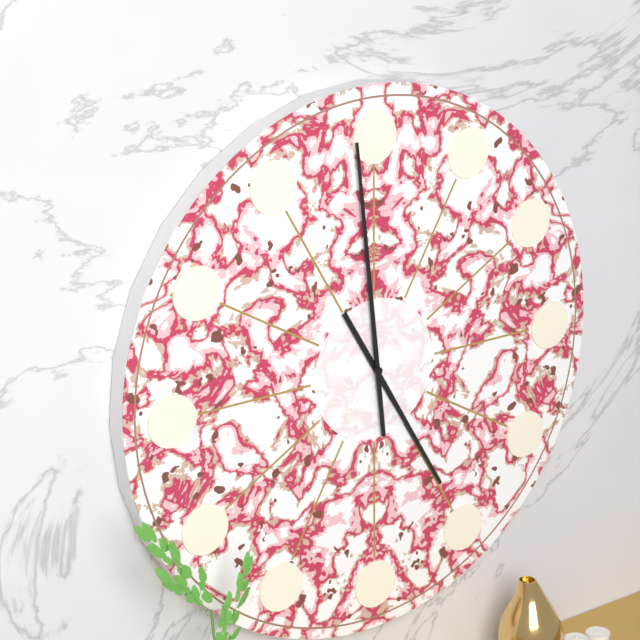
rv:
4.59
